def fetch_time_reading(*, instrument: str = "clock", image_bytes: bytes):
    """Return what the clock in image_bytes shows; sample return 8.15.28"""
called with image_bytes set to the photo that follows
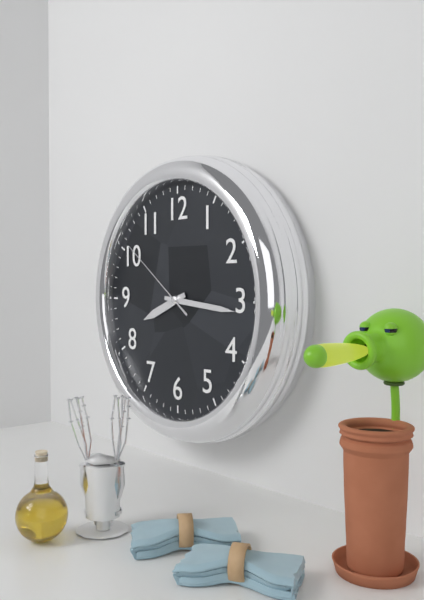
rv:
8.16.51
